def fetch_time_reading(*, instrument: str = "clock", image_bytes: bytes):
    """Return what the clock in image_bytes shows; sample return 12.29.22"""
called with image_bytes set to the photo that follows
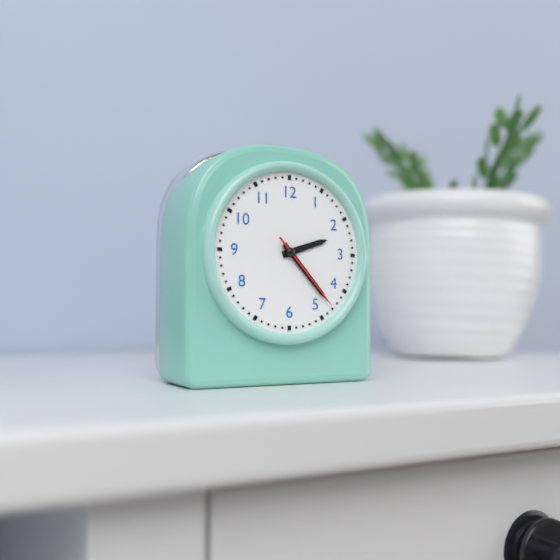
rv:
2.23.23
